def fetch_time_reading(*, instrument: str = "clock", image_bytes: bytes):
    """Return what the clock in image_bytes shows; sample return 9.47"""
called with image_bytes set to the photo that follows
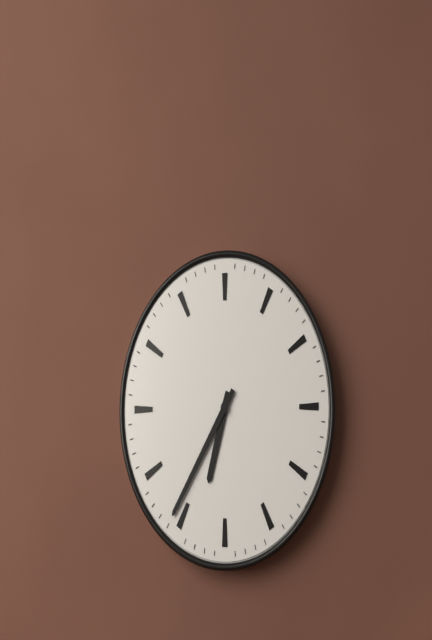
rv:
6.36
